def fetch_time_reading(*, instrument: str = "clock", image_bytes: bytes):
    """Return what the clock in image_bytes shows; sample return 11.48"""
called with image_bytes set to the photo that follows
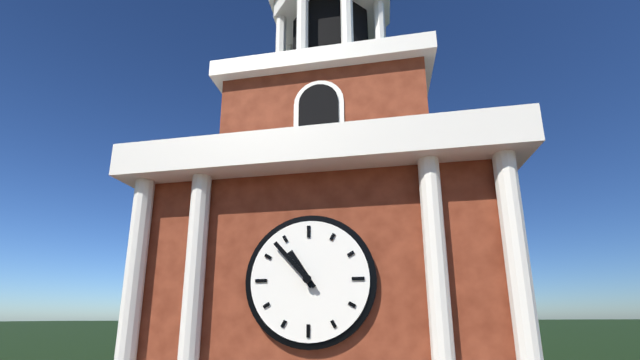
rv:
10.53
